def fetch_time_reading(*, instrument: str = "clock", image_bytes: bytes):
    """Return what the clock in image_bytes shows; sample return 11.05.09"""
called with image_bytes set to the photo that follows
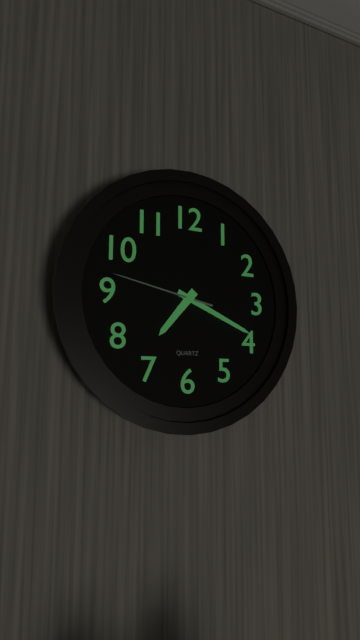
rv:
7.19.47
